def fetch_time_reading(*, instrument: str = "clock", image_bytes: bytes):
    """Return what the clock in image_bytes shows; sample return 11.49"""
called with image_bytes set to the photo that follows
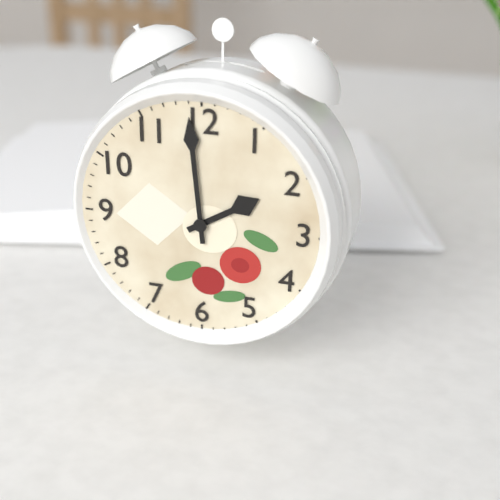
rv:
1.59
